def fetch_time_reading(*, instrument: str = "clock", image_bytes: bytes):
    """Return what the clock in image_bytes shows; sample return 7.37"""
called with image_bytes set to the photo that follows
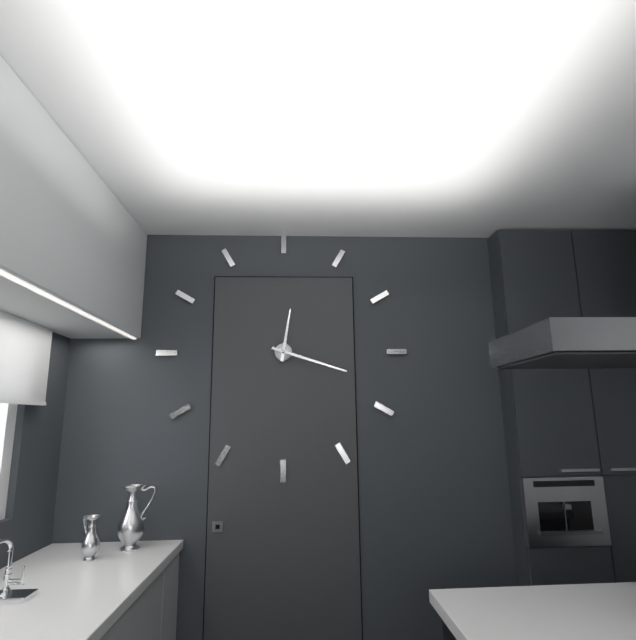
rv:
12.18
